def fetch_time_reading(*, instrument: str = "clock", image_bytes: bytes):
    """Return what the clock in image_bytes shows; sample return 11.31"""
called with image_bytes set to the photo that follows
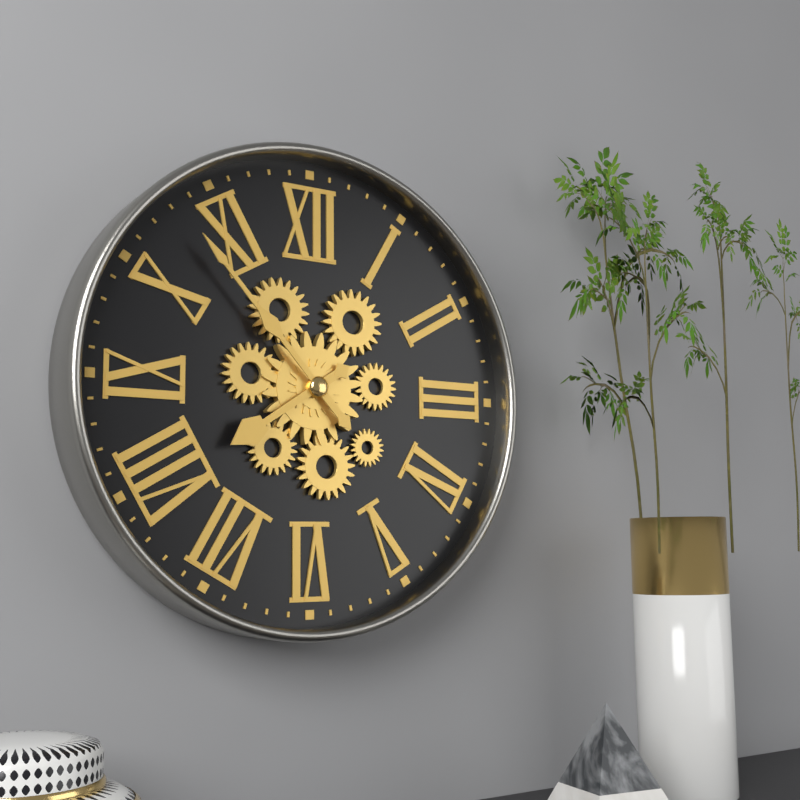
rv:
7.53
